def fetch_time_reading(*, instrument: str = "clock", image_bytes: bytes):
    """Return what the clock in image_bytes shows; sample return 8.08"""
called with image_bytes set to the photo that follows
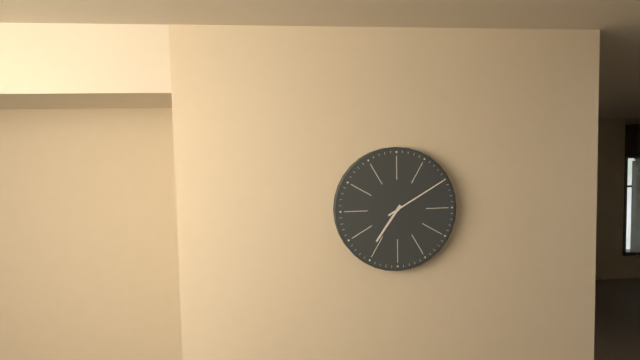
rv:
7.10
